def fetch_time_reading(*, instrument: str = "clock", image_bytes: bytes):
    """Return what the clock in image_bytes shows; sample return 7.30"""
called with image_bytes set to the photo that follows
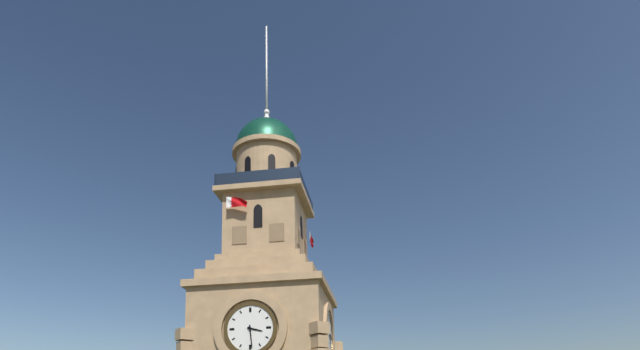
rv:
3.29
